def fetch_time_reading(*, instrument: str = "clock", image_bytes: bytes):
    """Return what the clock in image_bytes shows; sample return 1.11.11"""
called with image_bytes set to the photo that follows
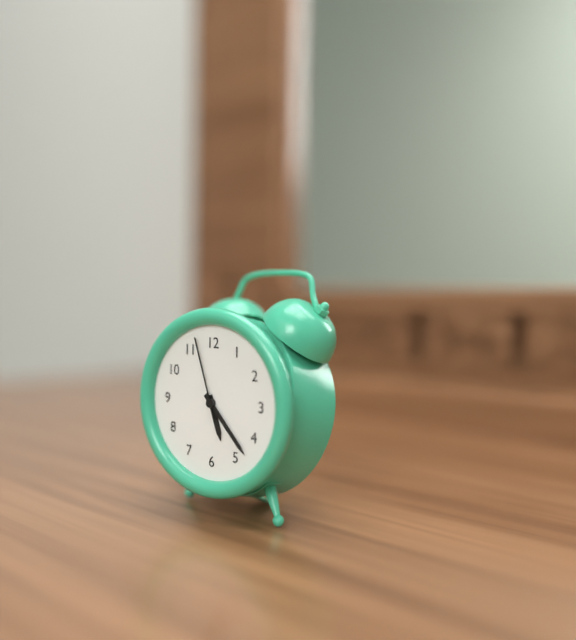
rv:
5.23.57
